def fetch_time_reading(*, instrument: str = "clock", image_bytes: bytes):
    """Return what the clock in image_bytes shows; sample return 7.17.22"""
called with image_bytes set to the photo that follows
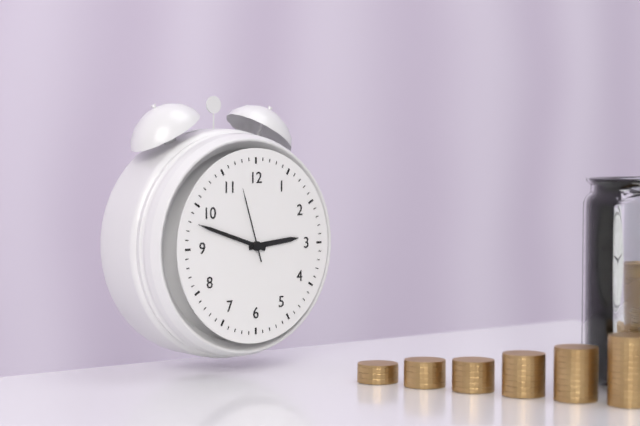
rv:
2.48.57
